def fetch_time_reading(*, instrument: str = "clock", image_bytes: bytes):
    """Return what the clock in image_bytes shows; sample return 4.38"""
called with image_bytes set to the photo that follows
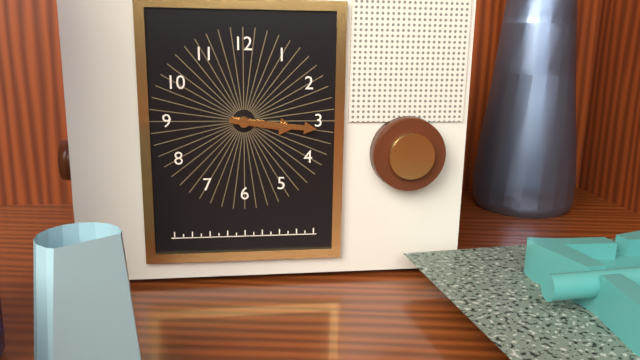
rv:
3.16
